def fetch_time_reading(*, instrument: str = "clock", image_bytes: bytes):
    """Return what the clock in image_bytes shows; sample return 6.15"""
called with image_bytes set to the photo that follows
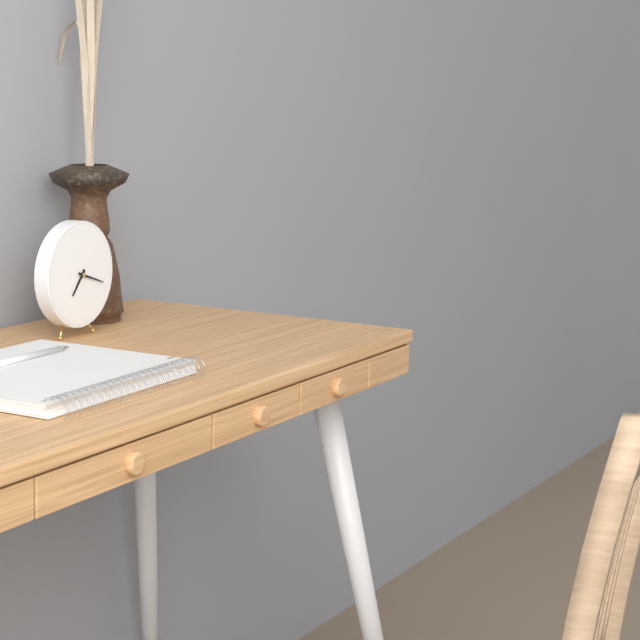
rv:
7.18
